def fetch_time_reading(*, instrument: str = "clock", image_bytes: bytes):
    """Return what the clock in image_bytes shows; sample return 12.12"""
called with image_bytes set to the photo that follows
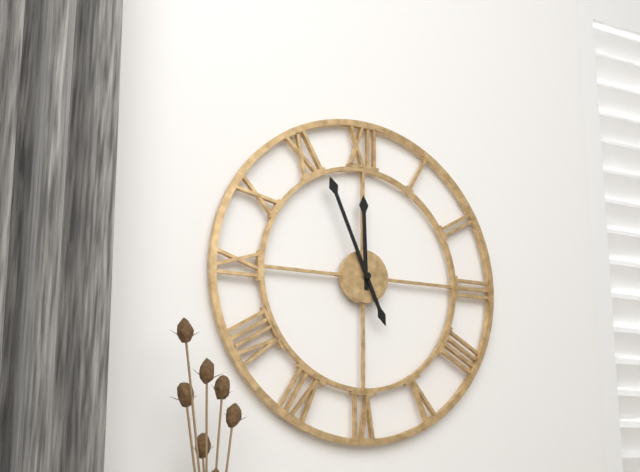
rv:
11.56
